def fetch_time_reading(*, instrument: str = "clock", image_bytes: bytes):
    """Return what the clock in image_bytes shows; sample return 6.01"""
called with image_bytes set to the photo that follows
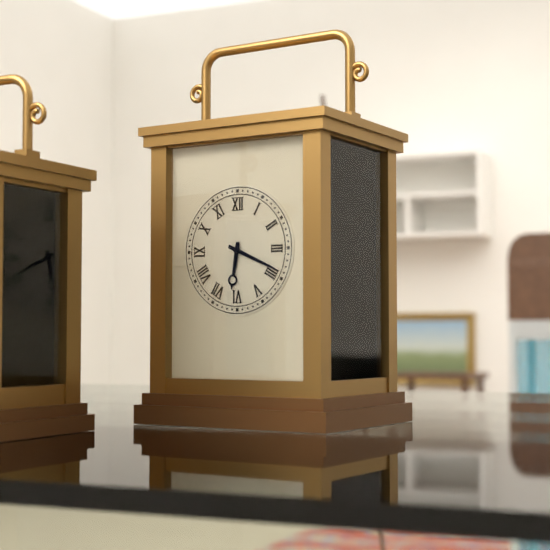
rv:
6.19
